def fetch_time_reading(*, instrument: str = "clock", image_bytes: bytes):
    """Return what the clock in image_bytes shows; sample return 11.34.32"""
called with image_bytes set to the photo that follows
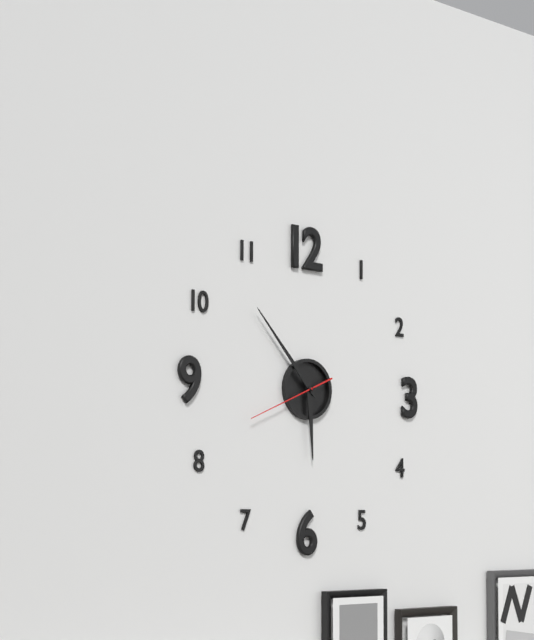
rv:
5.53.41
